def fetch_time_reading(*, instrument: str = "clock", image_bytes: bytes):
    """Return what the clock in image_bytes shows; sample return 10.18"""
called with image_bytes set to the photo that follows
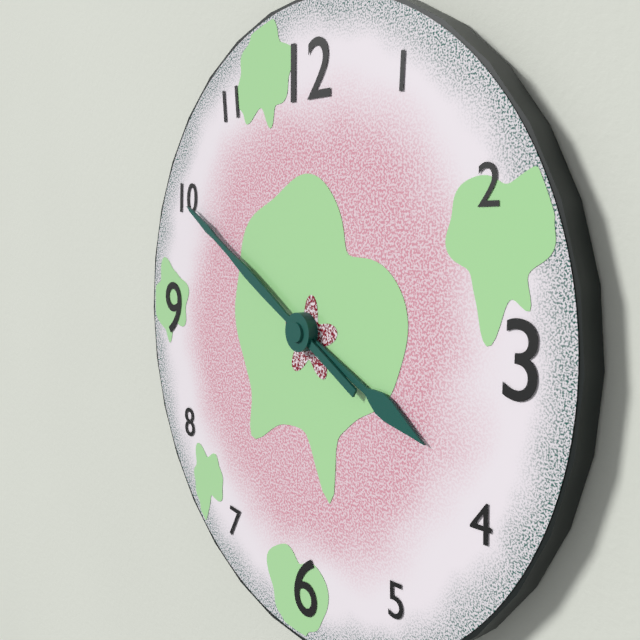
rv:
3.50
